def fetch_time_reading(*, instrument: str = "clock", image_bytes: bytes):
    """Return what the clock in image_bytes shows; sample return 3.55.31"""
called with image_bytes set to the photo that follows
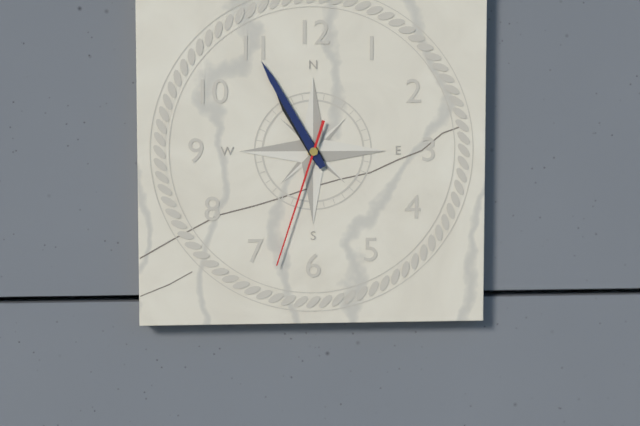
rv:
10.55.33
